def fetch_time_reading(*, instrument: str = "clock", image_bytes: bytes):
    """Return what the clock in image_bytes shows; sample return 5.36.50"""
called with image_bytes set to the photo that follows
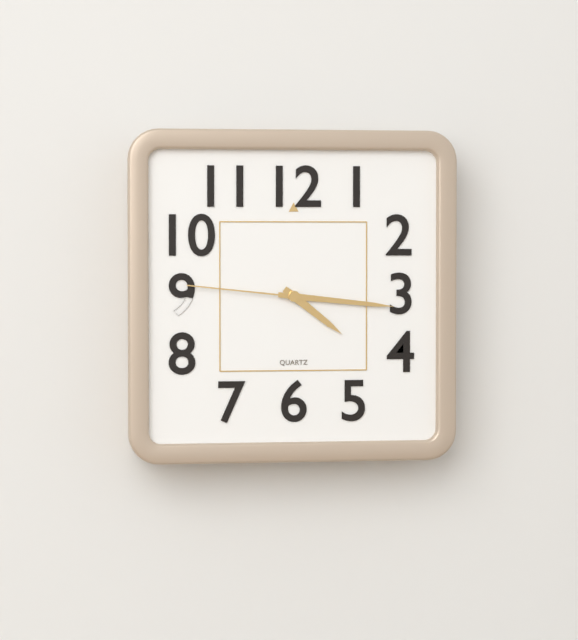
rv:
4.16.46
